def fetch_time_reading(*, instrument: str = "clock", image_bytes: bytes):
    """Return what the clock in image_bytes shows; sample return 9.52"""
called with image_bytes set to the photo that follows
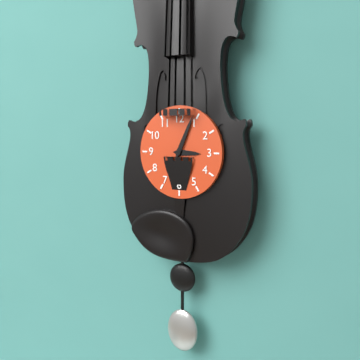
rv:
3.04
